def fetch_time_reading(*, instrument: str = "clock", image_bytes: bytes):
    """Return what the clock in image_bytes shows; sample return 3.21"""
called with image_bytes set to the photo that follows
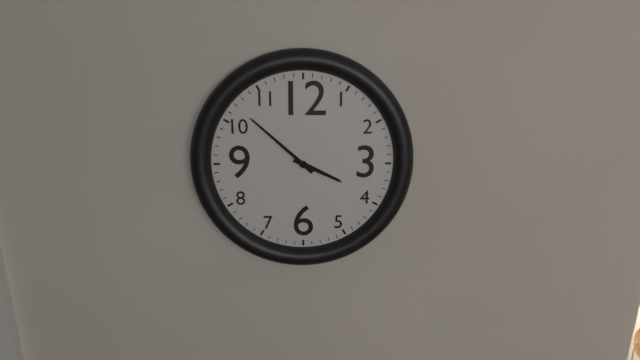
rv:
3.52
